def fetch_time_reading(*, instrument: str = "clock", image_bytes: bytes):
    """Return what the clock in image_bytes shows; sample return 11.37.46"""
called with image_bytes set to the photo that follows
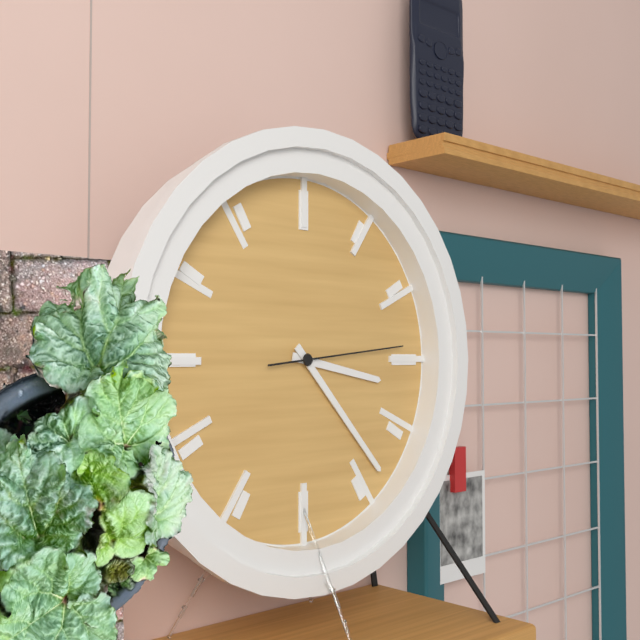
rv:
3.23.14
